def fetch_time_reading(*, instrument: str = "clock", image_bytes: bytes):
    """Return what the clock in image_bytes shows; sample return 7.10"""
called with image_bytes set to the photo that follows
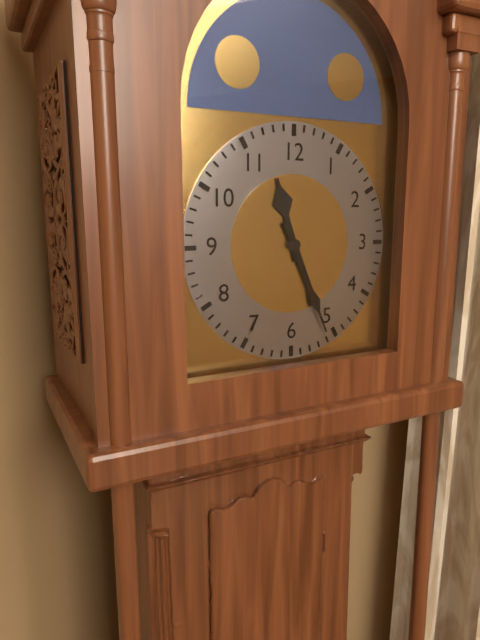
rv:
11.26
